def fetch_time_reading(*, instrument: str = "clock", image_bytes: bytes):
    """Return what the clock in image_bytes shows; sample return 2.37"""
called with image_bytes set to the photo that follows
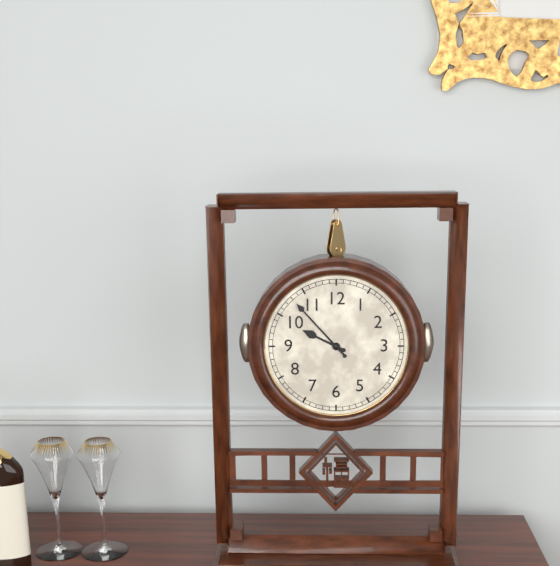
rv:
9.53
